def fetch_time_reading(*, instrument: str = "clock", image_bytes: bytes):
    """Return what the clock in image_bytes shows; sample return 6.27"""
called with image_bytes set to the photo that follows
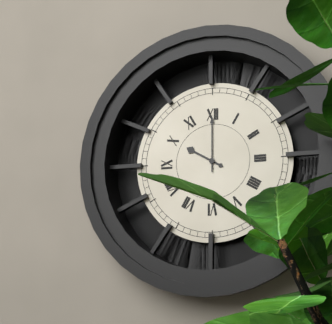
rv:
10.00
